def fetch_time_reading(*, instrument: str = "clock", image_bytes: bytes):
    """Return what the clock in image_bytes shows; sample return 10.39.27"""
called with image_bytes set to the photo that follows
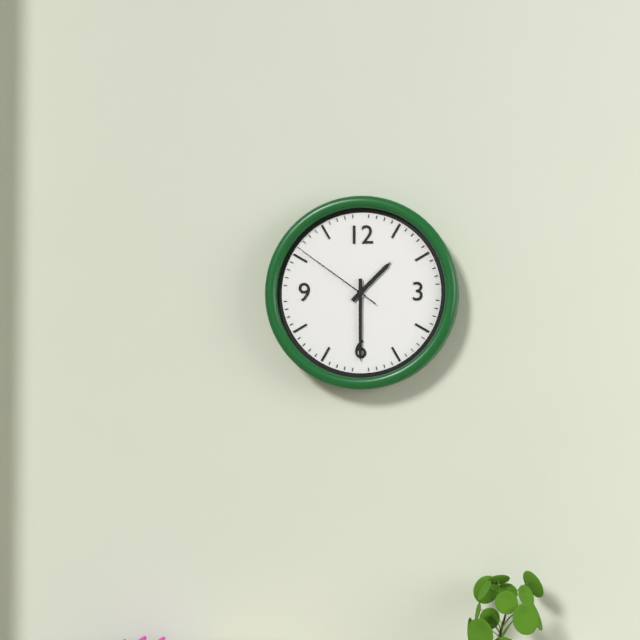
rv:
1.30.51
